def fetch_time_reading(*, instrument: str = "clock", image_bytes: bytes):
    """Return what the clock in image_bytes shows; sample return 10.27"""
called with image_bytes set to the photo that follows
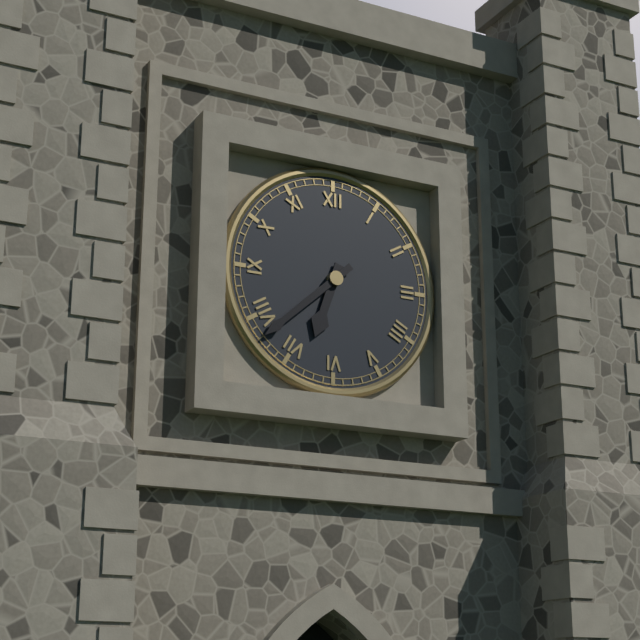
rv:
6.38
